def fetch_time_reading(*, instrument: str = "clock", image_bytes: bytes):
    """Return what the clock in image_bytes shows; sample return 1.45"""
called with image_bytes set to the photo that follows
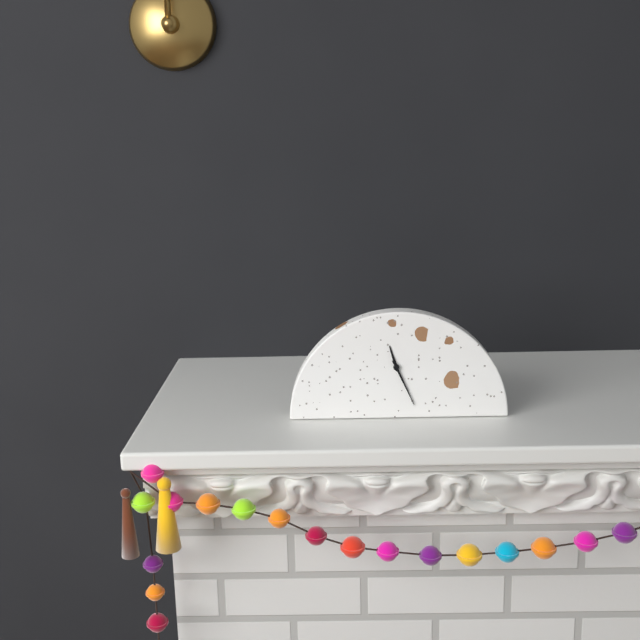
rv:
11.26
